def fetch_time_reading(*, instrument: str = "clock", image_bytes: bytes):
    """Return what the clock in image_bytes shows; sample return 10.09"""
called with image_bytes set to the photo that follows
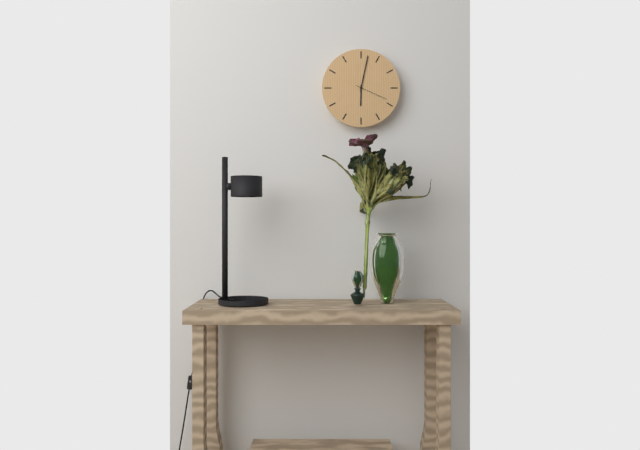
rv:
6.02
